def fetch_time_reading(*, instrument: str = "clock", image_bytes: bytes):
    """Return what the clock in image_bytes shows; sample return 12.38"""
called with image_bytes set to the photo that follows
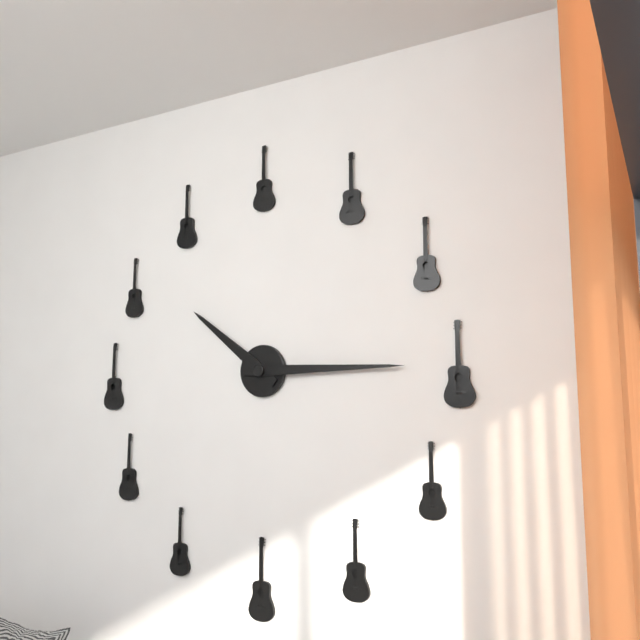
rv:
10.15
